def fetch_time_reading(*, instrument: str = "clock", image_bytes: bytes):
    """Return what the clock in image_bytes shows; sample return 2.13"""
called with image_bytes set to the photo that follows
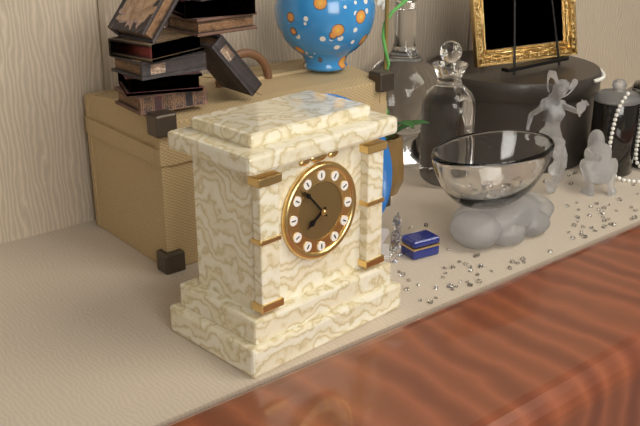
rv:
7.53
